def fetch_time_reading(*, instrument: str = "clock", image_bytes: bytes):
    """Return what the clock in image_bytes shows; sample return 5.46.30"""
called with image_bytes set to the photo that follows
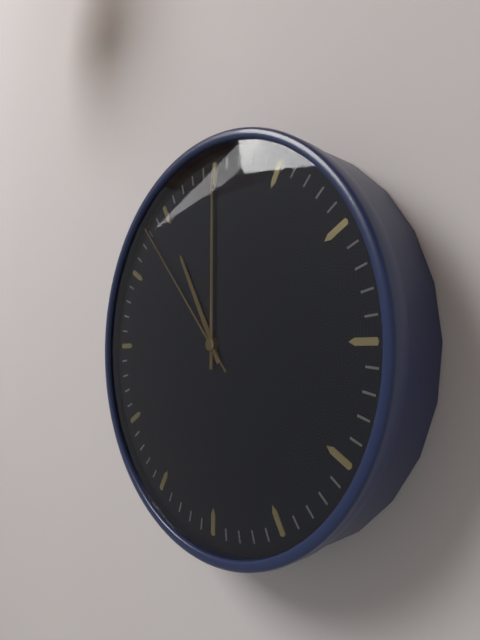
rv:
11.00.53
